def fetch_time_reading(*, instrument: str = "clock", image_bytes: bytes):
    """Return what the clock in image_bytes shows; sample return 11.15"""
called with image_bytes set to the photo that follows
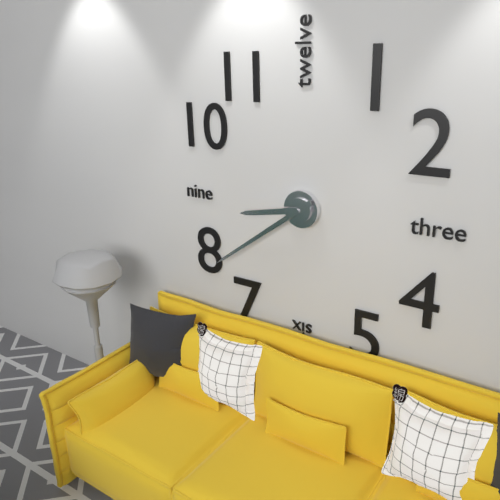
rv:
8.39
